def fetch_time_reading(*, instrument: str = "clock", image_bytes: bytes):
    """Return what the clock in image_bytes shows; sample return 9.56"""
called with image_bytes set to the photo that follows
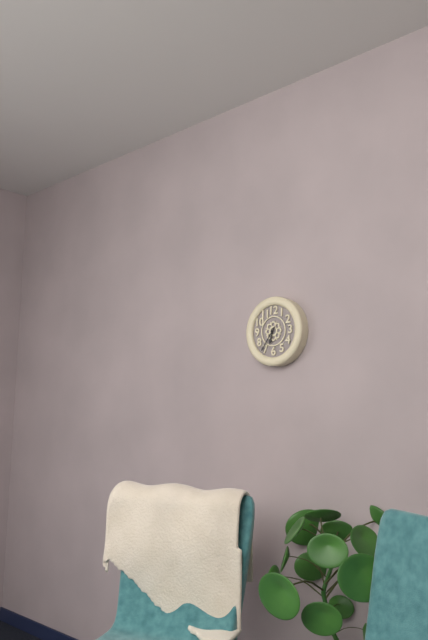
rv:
6.36
